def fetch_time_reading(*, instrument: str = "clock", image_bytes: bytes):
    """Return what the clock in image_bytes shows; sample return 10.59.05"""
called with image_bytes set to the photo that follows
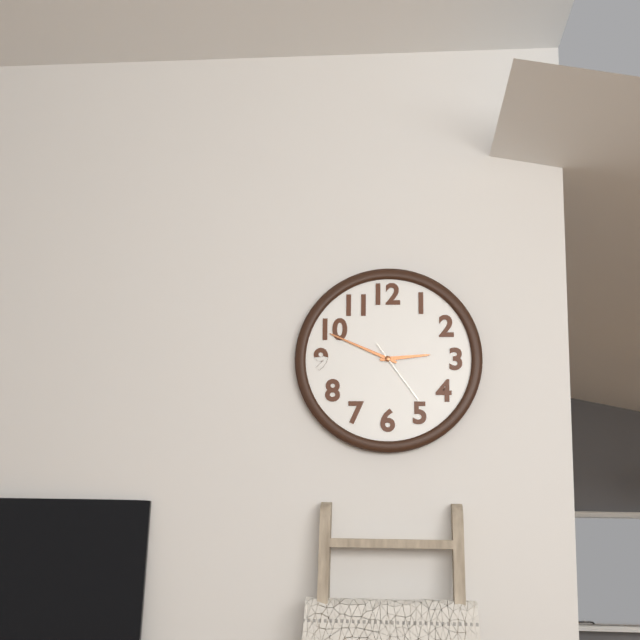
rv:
2.49.24
